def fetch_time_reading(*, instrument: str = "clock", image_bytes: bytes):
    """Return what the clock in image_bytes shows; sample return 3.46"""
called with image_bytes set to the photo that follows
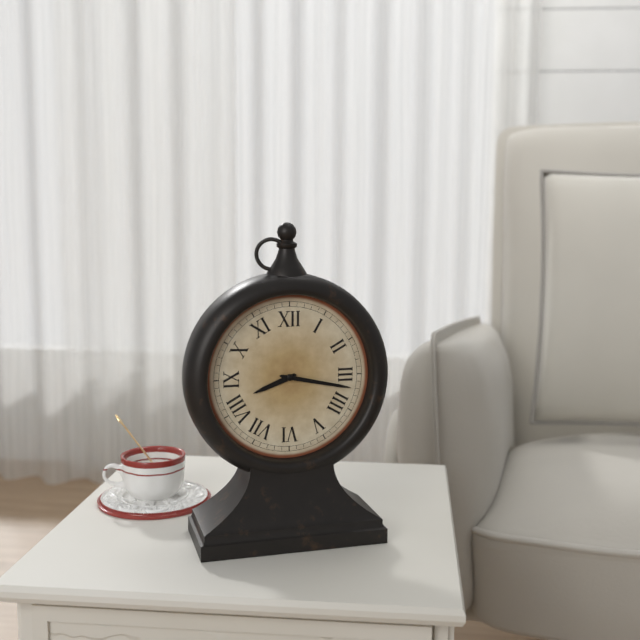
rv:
8.17
